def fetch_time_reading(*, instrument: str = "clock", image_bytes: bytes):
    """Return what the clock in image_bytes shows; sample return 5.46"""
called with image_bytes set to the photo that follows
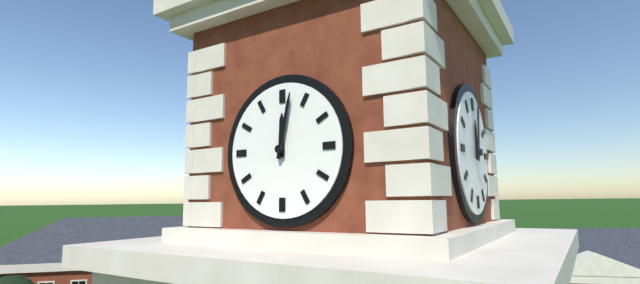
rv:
12.02
